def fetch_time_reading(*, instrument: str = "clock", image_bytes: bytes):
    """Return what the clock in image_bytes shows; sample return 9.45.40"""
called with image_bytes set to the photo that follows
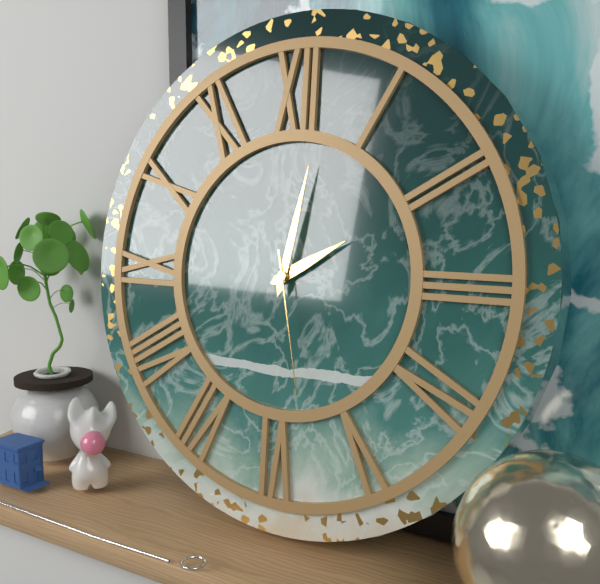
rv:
2.02.28
